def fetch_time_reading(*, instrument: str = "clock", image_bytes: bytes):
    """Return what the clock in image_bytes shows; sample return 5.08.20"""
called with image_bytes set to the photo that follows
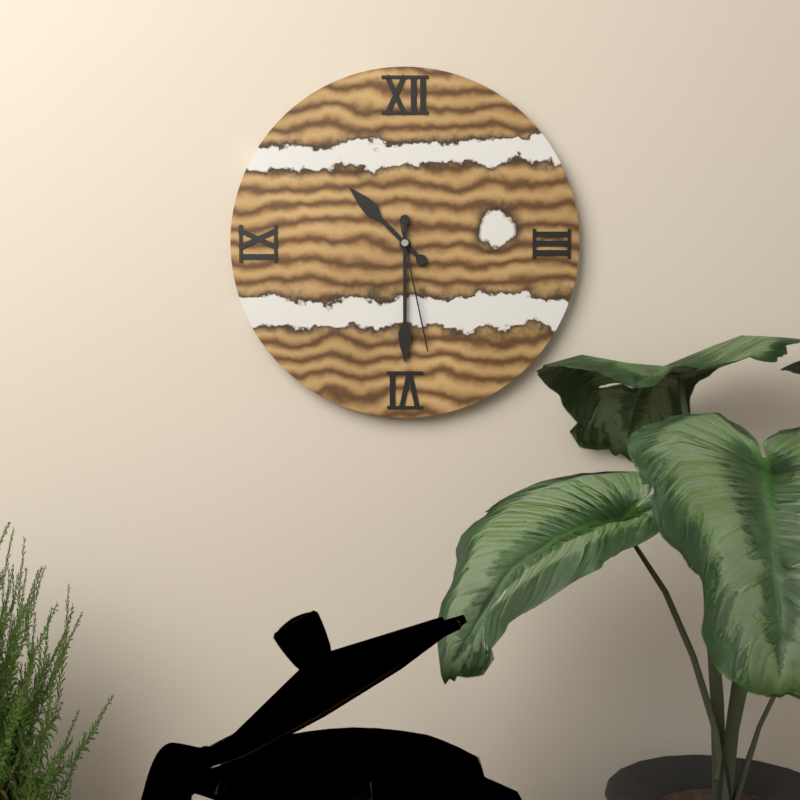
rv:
10.30.28
